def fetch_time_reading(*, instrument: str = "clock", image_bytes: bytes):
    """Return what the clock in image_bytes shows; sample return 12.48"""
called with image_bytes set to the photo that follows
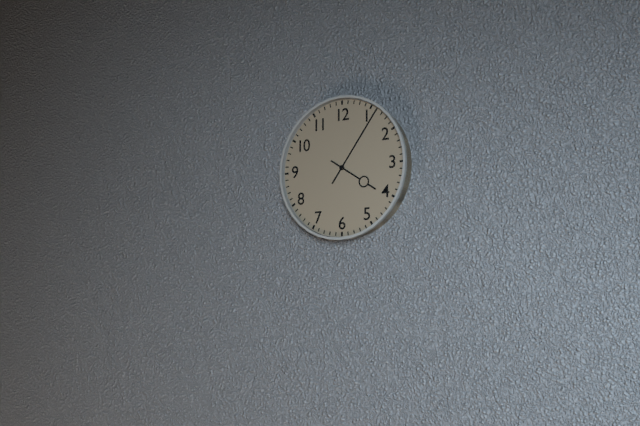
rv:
4.06
